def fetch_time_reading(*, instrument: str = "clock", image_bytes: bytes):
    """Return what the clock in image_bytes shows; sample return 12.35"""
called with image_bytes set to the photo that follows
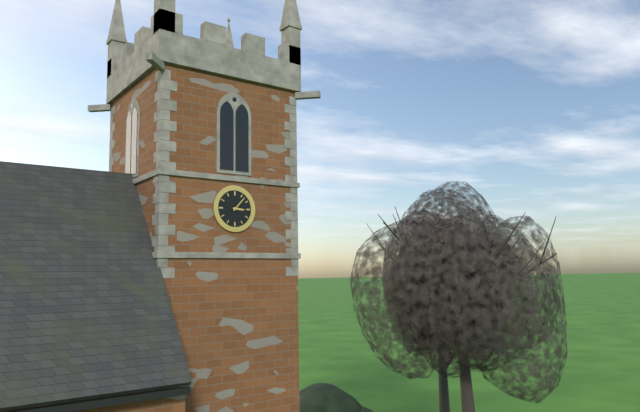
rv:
3.07
